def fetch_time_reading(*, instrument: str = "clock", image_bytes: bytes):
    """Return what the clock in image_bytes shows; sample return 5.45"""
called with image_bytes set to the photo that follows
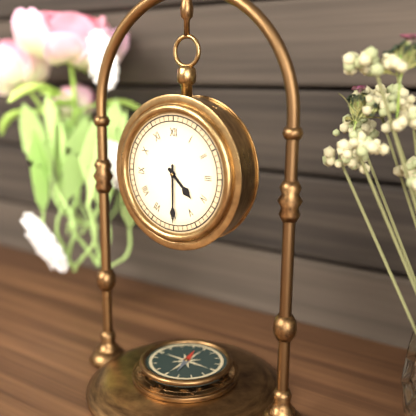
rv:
4.30
